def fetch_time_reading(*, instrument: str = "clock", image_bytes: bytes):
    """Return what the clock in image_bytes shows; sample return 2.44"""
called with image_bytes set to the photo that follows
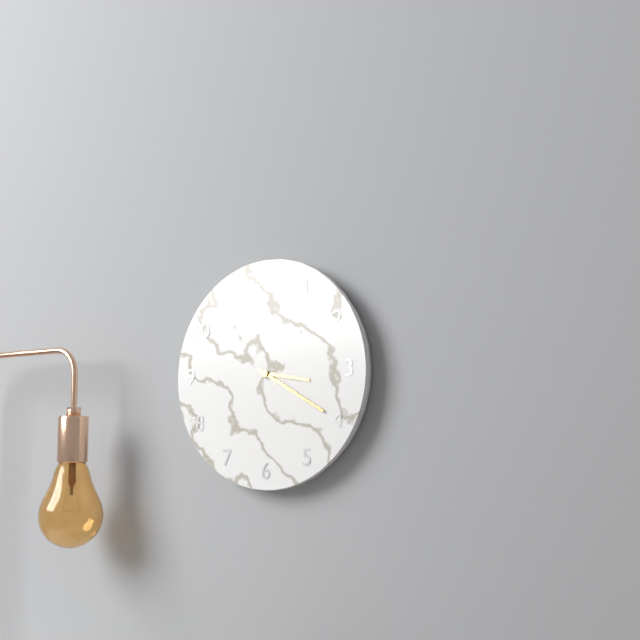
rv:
3.20
